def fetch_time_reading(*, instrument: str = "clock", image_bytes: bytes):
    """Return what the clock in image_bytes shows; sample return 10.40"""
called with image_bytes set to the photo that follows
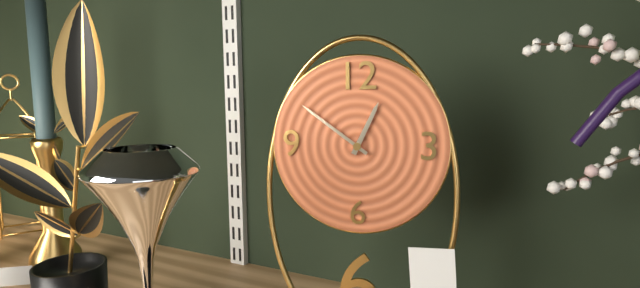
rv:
12.51
